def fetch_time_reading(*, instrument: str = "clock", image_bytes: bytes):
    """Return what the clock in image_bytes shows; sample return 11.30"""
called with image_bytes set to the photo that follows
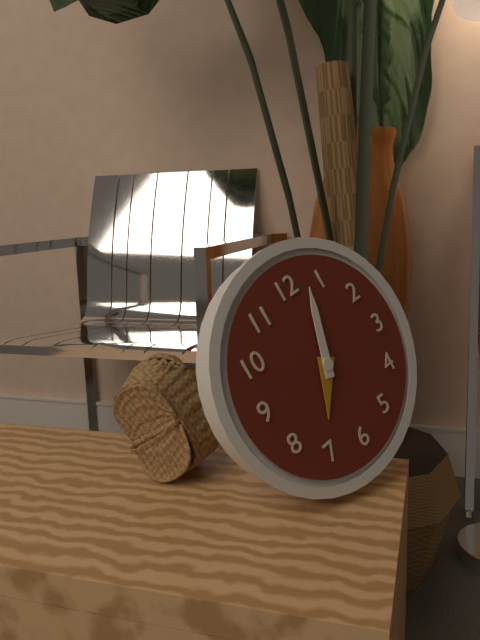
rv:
7.03
